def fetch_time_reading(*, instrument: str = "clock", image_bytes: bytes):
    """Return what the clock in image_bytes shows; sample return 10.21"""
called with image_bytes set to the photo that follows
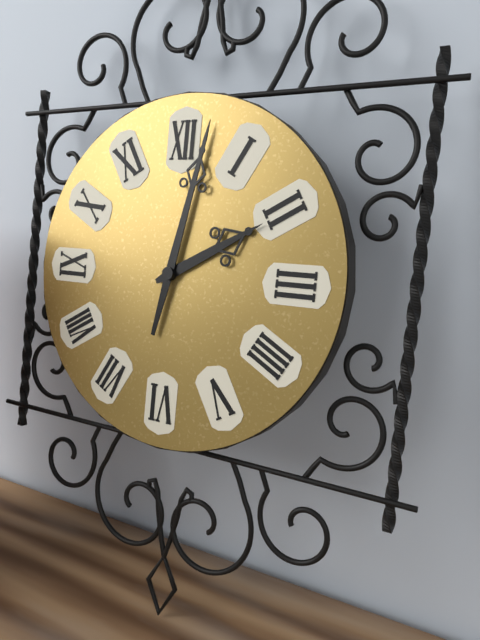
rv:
2.02
